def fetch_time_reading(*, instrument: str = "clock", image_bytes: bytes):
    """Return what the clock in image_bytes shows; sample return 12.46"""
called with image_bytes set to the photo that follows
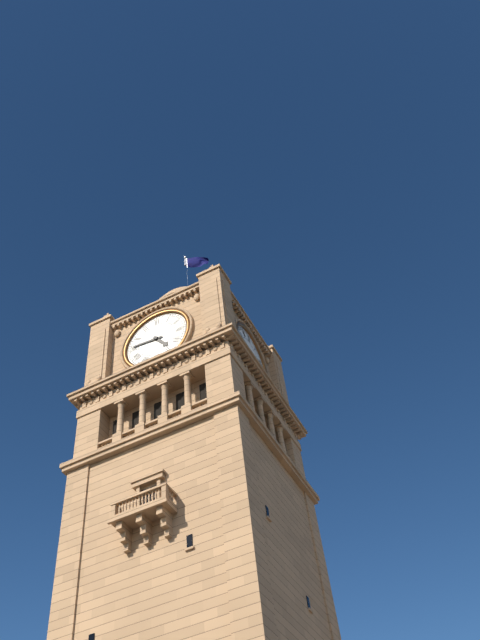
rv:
4.46
